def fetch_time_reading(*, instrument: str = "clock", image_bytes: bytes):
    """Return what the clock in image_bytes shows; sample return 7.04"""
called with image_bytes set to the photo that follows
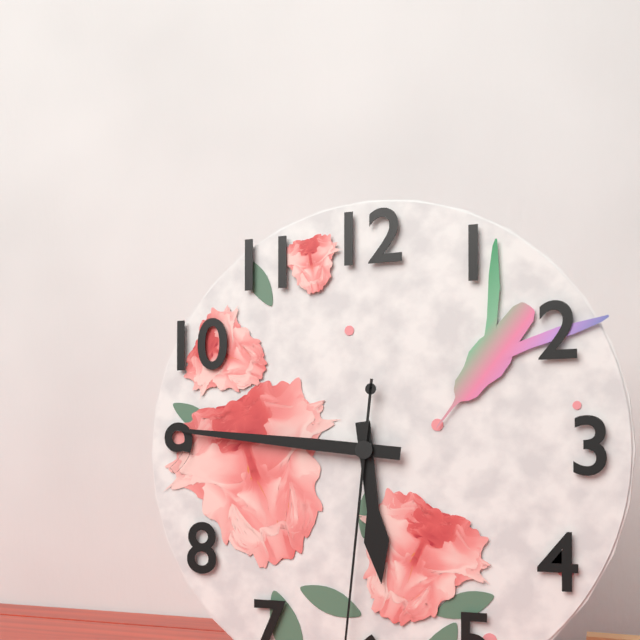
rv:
5.46
